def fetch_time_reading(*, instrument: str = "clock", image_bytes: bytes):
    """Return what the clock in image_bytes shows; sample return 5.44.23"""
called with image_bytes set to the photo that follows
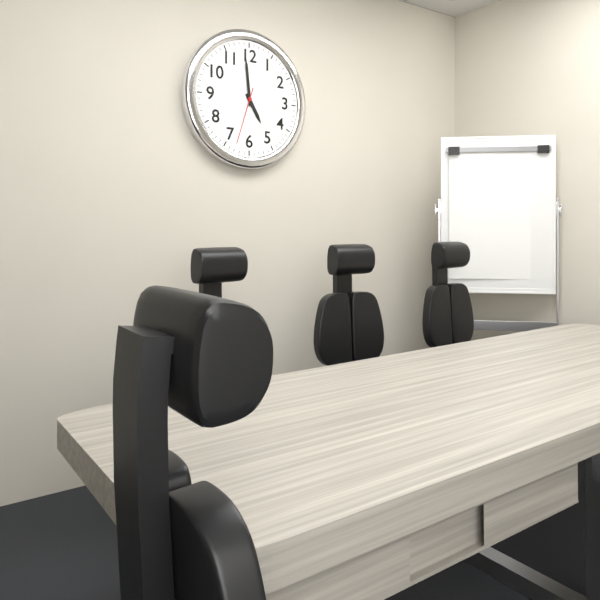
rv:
4.59.33
